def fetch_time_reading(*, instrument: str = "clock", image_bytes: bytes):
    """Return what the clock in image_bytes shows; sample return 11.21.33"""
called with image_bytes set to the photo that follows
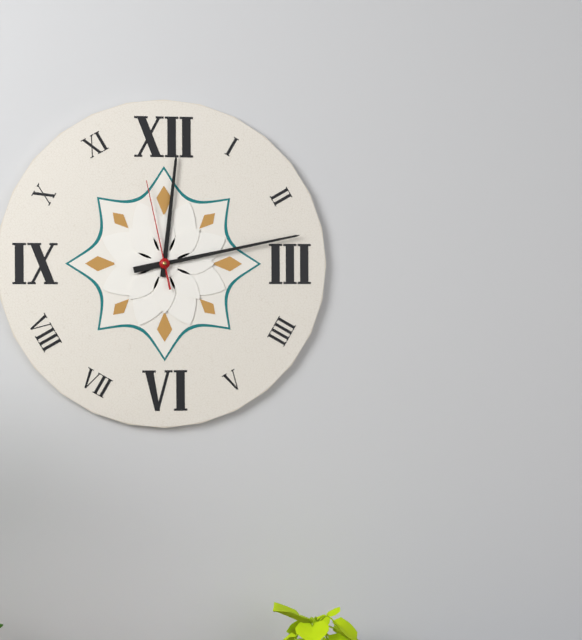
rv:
12.13.58
